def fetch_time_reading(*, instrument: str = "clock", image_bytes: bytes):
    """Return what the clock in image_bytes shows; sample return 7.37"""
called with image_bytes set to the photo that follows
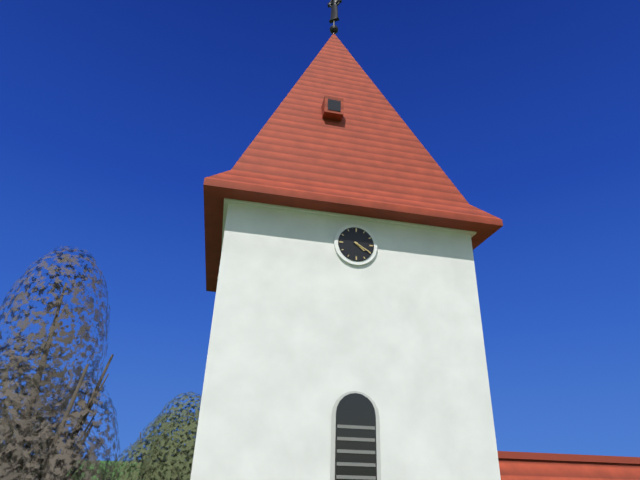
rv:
4.20
